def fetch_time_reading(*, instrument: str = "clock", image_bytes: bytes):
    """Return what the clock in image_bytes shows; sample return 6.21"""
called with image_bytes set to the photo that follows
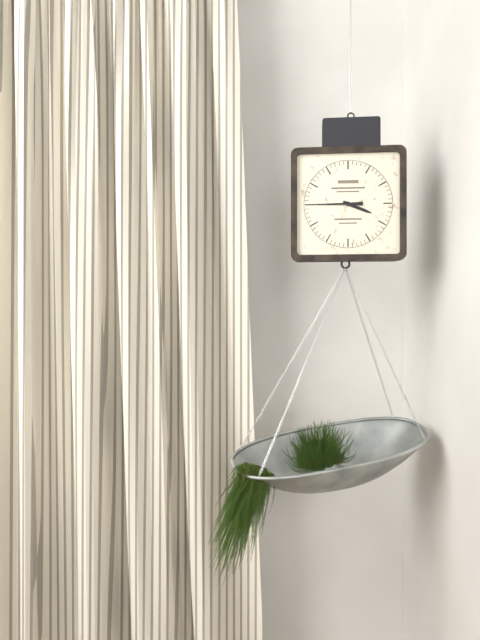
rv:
3.45
